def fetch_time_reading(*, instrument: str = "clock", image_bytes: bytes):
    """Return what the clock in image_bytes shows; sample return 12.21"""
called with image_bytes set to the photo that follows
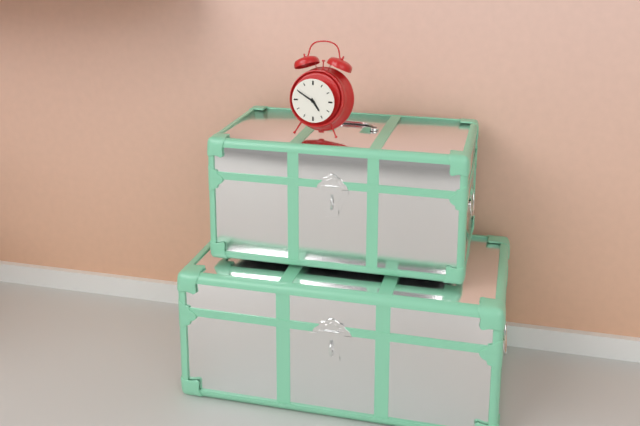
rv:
4.50
